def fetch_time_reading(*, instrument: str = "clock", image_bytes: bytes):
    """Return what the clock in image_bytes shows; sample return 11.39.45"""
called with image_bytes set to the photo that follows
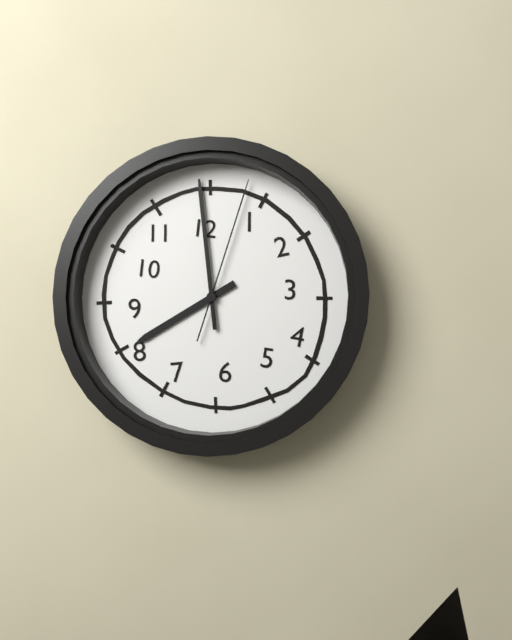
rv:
7.59.03
